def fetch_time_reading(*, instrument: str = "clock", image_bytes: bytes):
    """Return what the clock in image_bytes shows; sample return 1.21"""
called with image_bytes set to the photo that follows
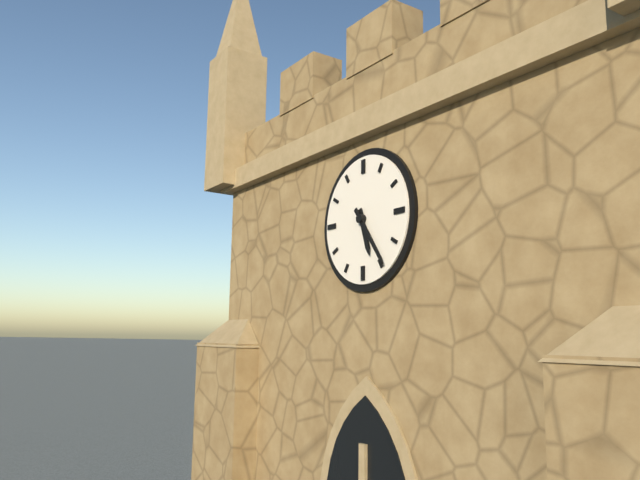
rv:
5.24
